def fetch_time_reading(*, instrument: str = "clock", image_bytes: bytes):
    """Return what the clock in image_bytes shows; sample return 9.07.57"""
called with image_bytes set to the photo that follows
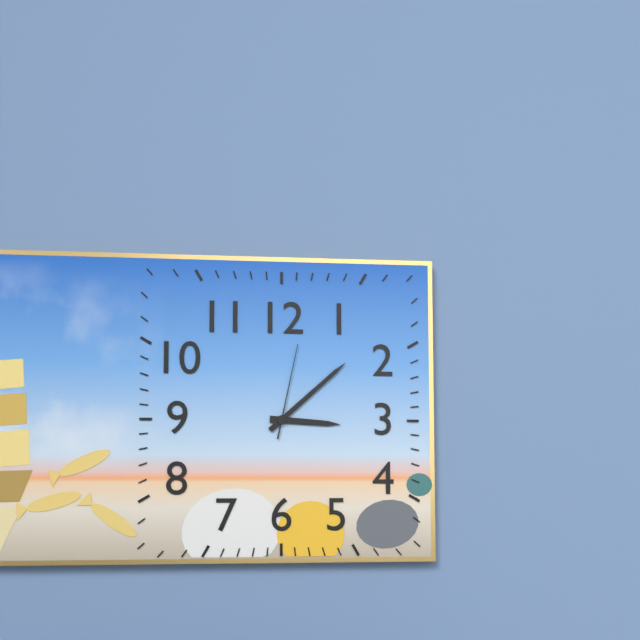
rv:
3.08.02
